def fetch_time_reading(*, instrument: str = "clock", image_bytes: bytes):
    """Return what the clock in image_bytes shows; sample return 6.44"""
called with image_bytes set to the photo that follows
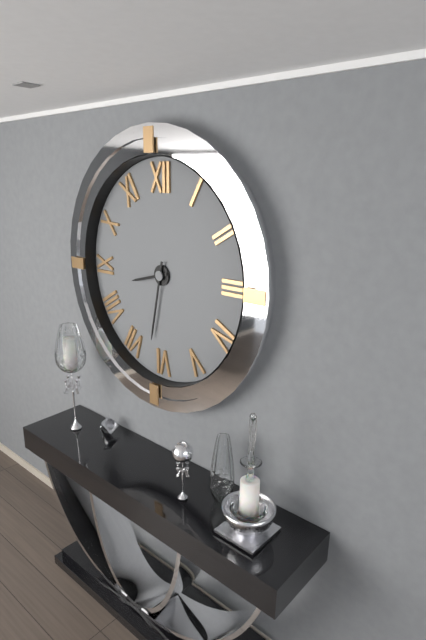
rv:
8.32
